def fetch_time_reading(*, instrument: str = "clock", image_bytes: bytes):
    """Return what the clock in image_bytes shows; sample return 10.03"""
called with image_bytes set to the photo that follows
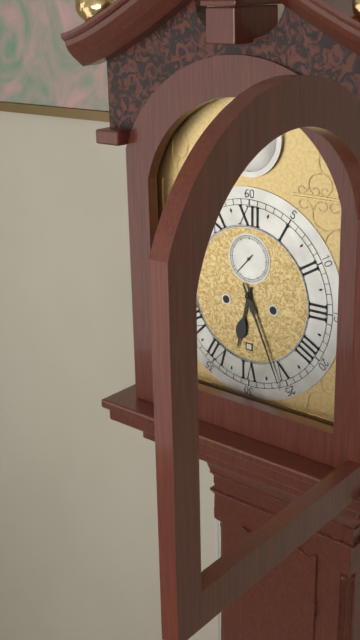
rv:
6.26
